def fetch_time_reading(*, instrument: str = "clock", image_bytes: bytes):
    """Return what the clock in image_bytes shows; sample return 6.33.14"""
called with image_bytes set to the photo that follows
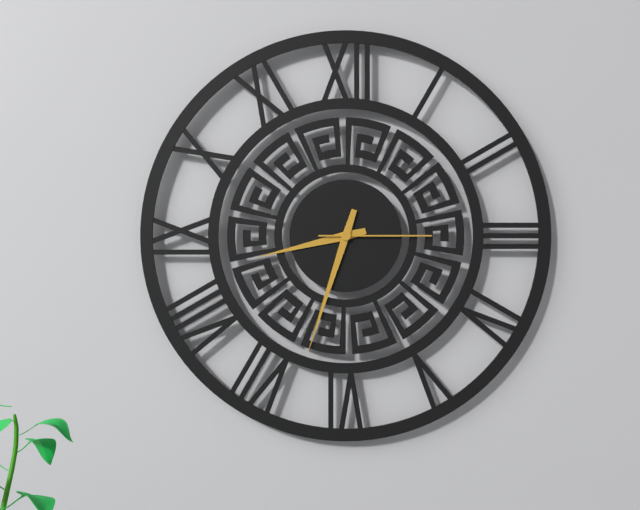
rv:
8.33.15
